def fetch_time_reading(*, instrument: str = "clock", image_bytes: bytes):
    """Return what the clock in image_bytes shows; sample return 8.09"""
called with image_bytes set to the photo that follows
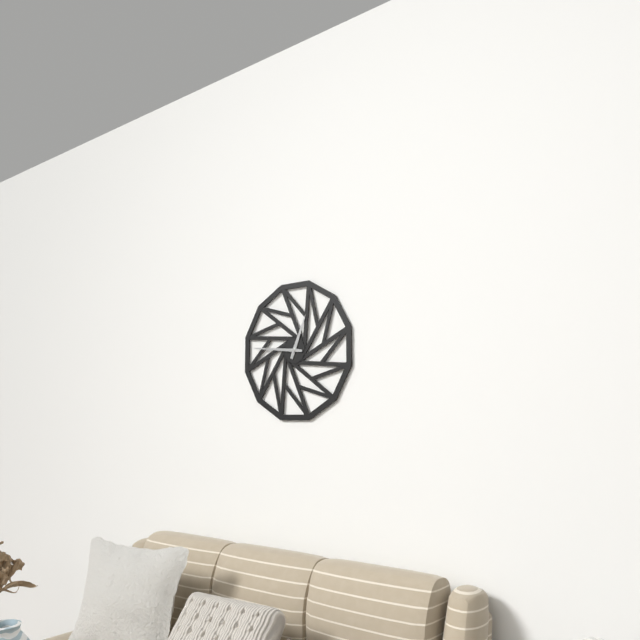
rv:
12.46
